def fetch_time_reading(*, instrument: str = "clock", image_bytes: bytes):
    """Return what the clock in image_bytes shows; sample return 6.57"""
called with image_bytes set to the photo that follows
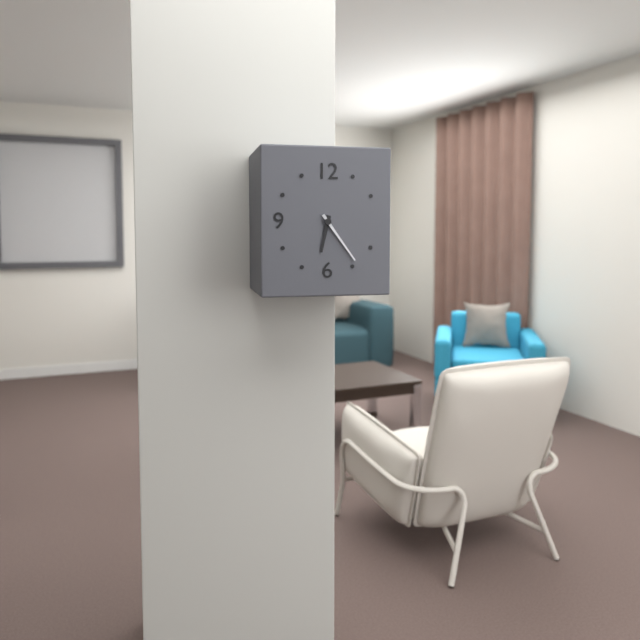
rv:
6.24
